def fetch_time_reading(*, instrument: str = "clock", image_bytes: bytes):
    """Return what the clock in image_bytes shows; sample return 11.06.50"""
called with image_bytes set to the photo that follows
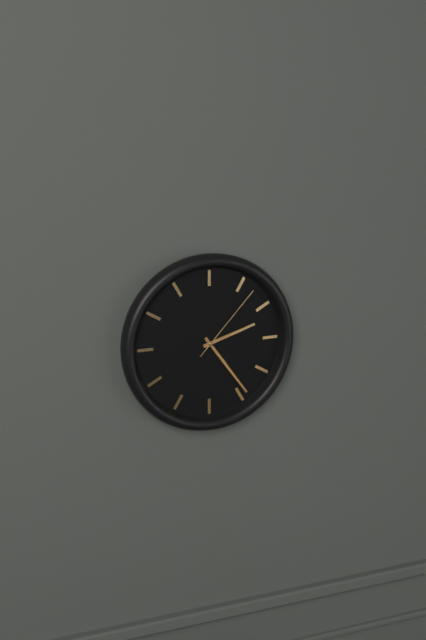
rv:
2.24.07
